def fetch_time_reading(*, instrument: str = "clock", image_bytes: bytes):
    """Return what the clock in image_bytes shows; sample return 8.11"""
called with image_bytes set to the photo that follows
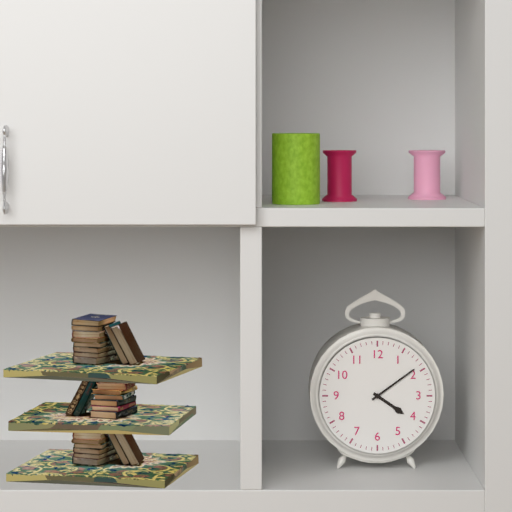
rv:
4.09
